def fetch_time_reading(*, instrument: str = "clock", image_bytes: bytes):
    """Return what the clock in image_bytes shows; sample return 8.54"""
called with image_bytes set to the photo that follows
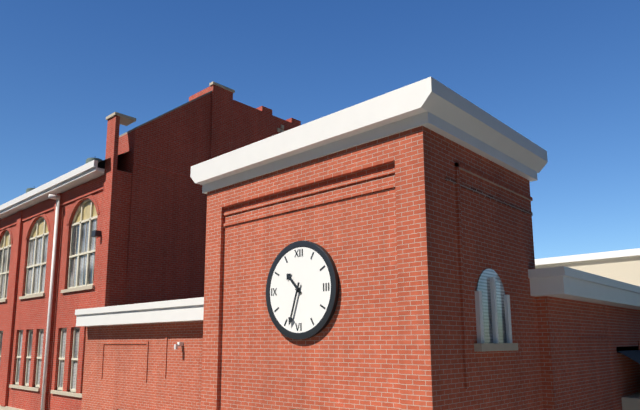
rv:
10.33
